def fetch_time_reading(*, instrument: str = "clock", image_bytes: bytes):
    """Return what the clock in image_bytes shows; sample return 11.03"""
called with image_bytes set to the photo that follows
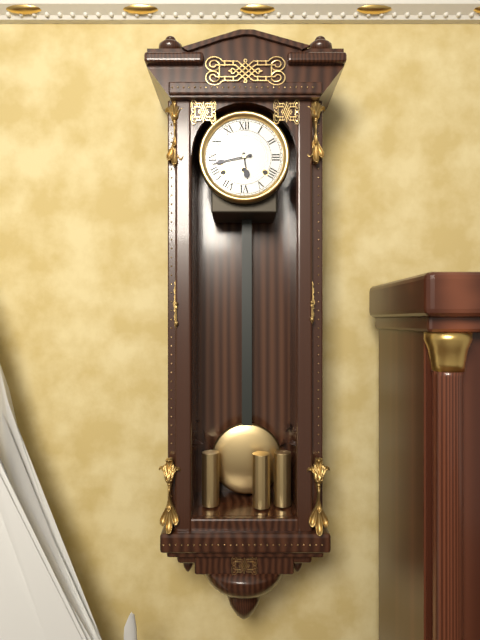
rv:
5.43
